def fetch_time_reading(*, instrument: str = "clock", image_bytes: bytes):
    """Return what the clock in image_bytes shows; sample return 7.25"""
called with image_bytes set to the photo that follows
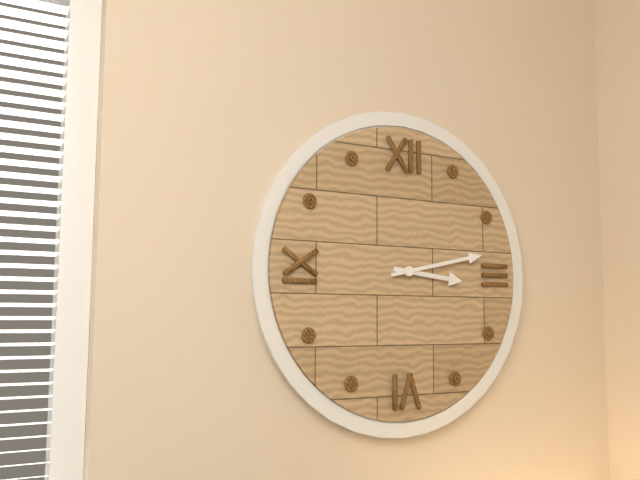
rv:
3.13
